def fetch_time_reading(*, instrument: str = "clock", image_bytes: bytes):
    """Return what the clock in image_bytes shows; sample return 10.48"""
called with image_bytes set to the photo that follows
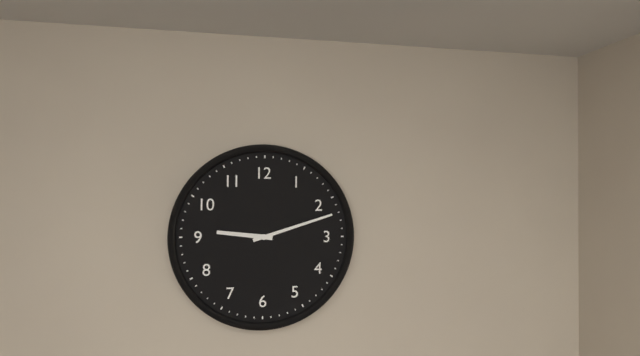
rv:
9.12
